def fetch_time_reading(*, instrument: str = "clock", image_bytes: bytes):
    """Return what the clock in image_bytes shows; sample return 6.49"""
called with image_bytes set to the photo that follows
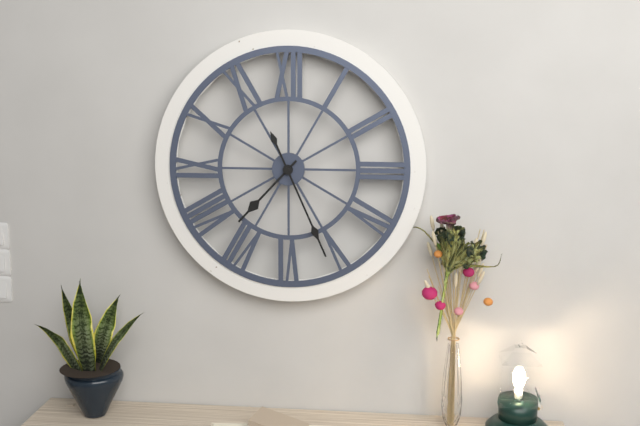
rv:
7.26
